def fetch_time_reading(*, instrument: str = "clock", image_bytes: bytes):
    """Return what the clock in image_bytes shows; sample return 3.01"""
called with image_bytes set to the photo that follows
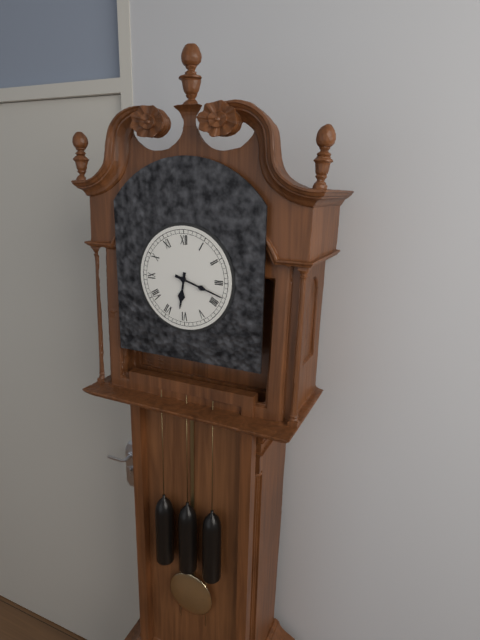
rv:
6.18
